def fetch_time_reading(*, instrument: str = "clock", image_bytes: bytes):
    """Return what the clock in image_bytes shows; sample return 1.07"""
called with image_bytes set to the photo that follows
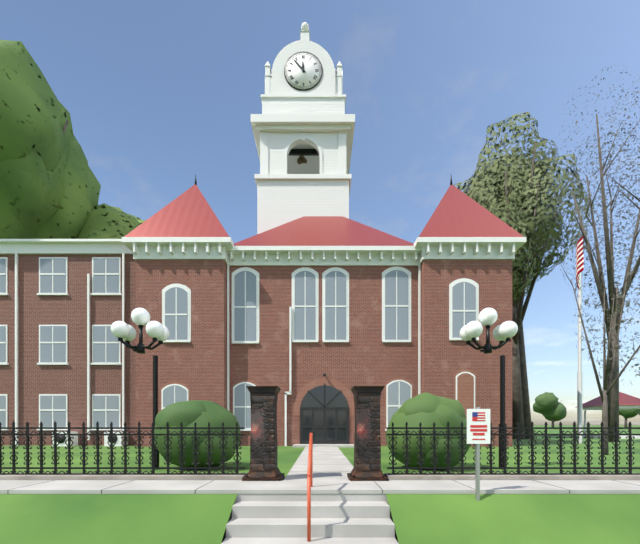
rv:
11.53
